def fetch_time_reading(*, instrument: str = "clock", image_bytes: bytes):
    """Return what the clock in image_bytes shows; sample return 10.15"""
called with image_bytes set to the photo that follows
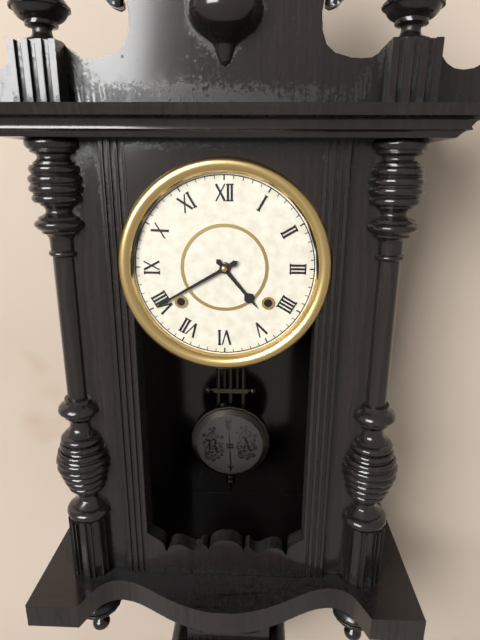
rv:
4.40
